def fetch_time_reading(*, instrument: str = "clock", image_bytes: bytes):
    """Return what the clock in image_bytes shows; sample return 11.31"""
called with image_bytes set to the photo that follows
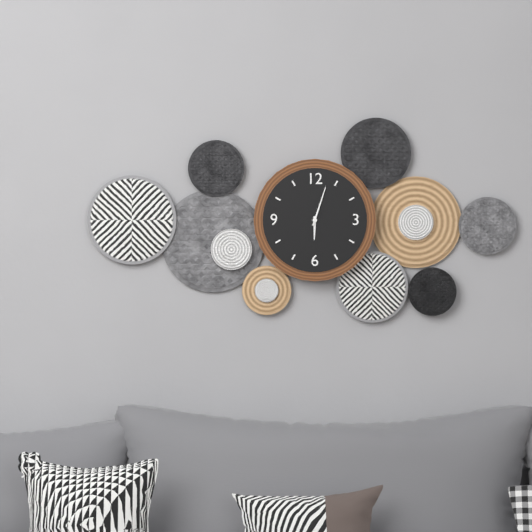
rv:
6.03
